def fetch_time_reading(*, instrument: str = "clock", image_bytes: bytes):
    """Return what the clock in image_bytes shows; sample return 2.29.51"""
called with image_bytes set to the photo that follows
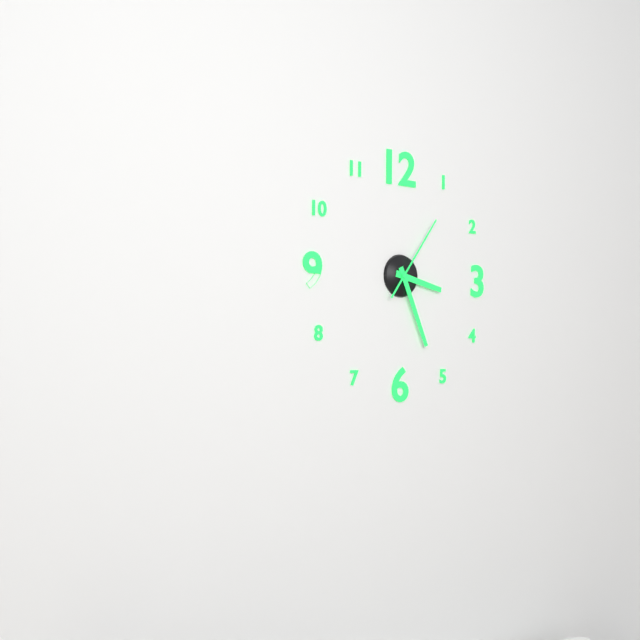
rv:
3.26.06
